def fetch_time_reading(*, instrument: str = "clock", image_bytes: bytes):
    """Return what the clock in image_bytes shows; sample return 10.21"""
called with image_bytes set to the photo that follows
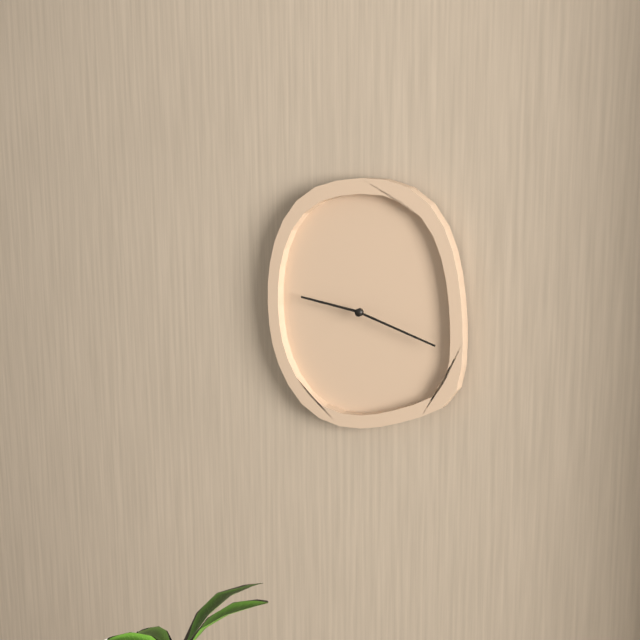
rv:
9.18
